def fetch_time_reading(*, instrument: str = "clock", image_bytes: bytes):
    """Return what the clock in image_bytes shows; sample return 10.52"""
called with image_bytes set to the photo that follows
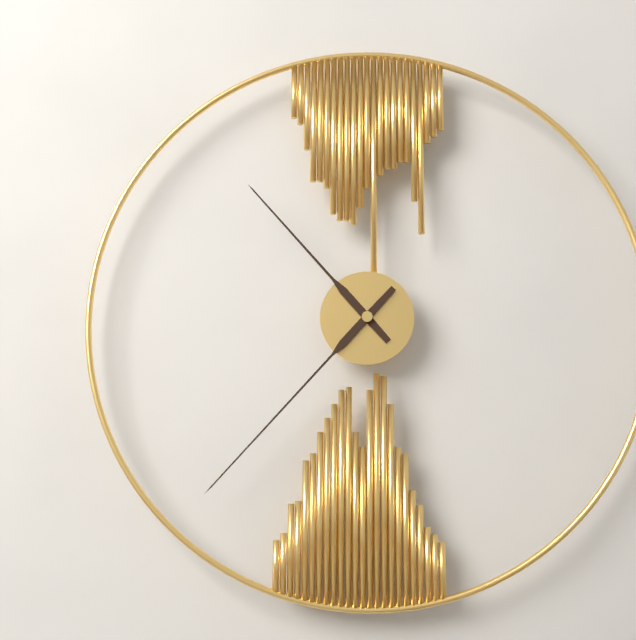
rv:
10.37
